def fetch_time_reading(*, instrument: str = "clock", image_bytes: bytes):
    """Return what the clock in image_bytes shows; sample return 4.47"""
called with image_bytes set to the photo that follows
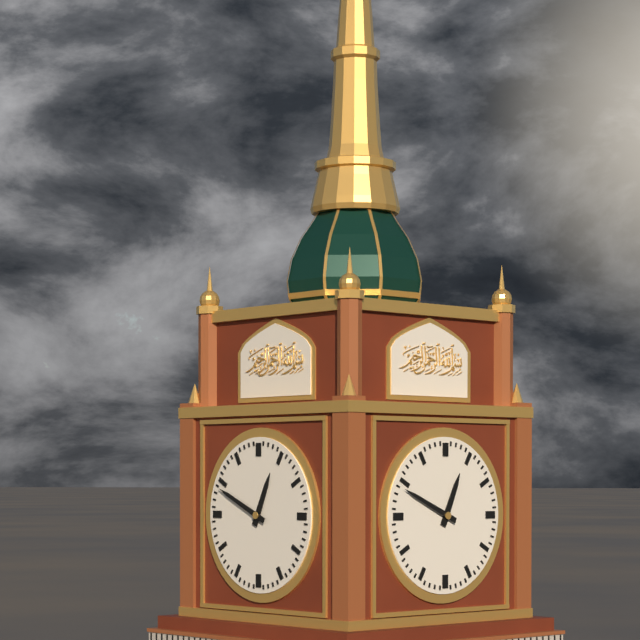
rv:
12.49
